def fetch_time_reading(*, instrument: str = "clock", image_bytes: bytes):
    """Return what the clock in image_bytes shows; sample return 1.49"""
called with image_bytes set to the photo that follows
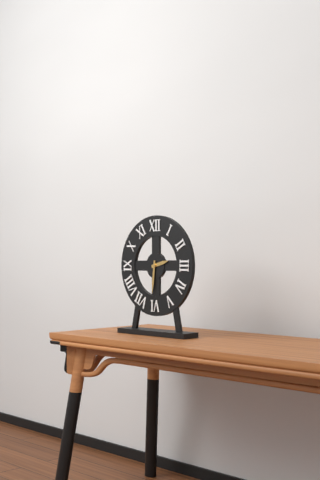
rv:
2.31
